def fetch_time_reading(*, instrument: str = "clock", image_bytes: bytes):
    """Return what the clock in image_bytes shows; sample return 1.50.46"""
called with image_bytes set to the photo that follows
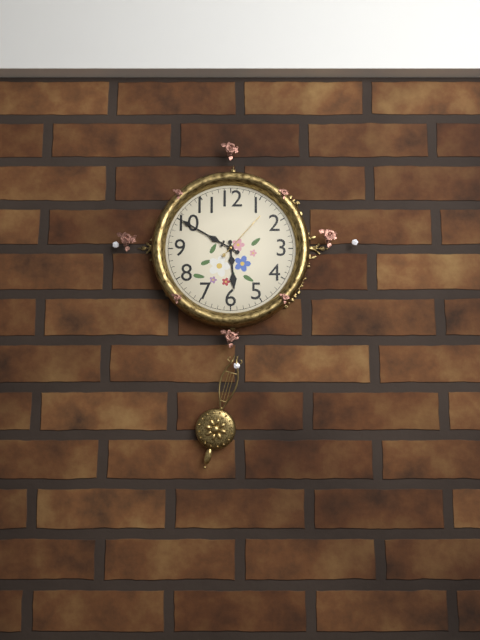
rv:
5.50.07
